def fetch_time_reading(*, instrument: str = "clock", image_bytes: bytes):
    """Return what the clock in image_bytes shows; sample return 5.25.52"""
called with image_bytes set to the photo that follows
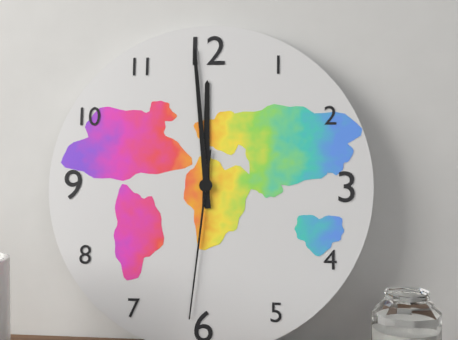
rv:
11.59.31
